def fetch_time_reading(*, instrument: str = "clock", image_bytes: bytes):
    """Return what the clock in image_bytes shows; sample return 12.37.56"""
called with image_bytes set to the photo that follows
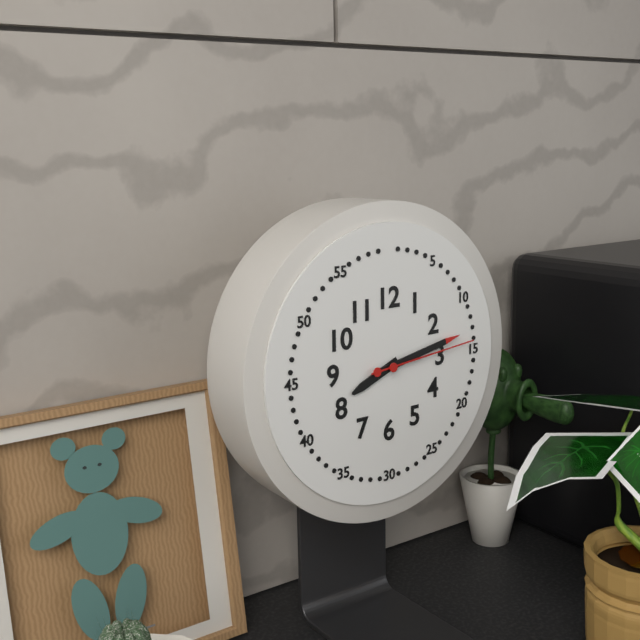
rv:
8.13.14
